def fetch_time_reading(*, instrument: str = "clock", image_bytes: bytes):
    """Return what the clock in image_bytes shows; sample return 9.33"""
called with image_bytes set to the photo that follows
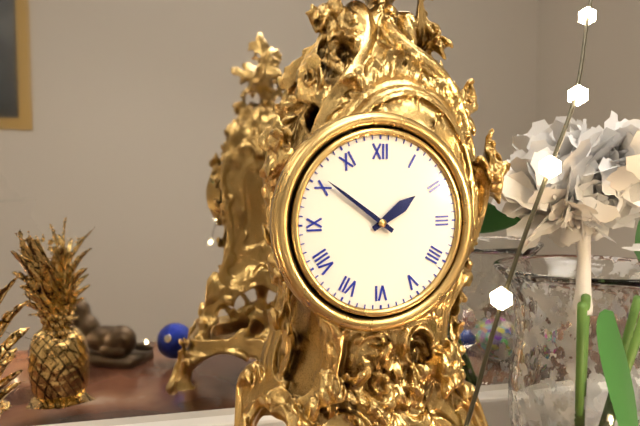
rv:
1.51
